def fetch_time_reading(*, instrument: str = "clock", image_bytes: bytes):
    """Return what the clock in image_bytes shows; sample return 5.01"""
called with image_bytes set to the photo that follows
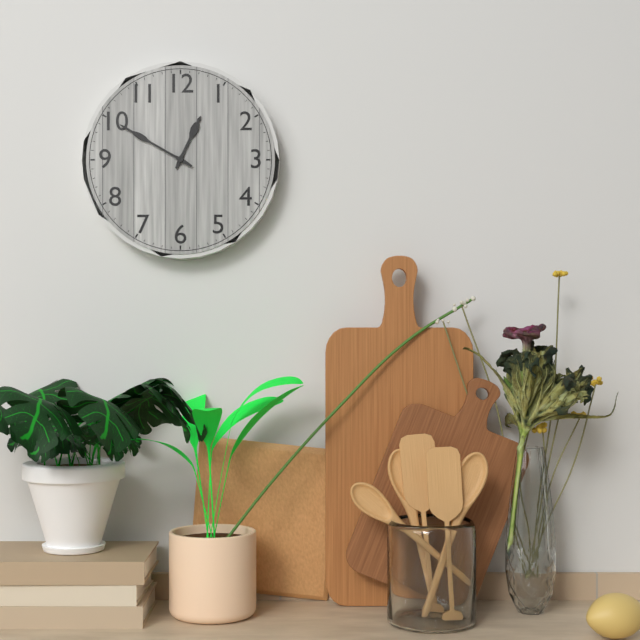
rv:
12.50
